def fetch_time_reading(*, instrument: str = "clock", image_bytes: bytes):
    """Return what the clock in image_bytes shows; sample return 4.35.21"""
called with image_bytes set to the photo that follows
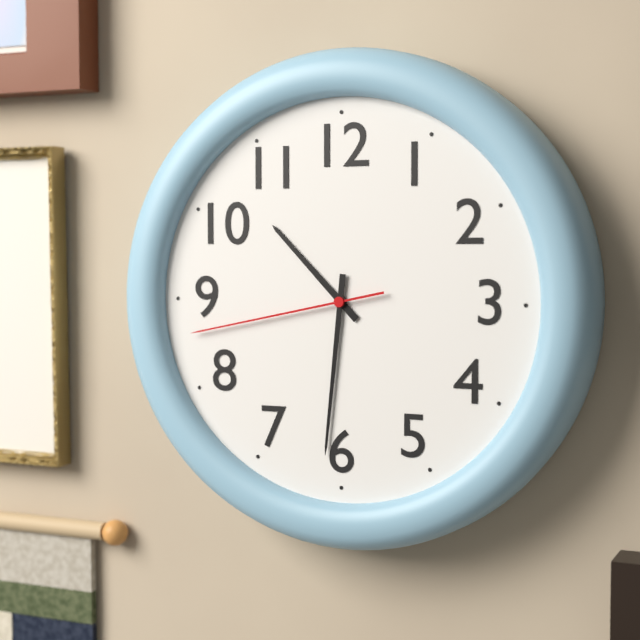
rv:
10.31.43
